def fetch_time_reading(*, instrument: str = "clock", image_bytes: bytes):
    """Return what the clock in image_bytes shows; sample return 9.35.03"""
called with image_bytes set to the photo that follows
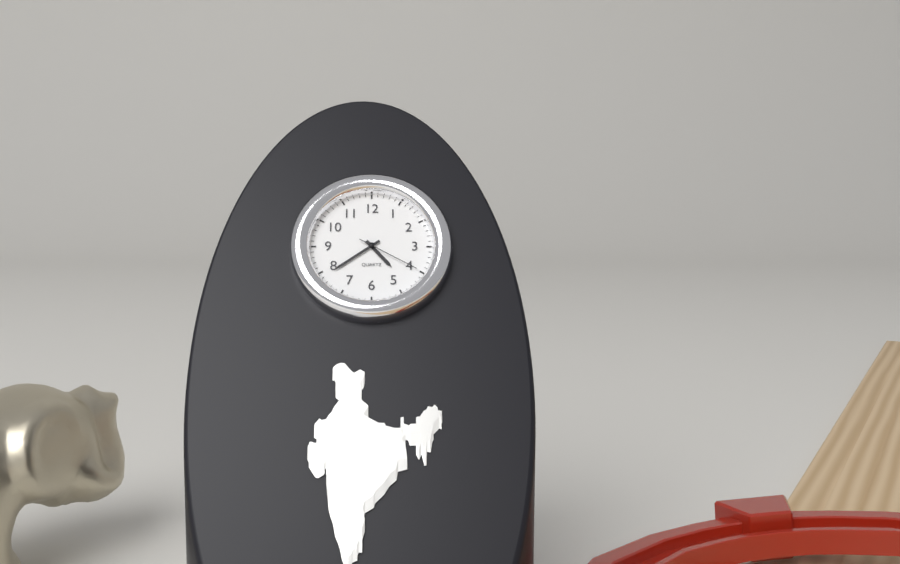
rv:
4.39.20
